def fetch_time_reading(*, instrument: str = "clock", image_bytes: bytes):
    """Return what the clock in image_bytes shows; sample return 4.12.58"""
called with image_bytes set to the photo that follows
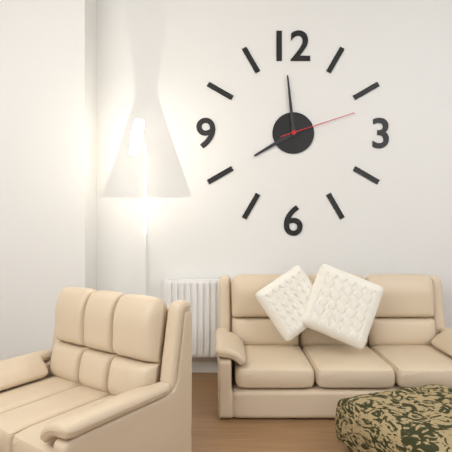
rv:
7.59.12
